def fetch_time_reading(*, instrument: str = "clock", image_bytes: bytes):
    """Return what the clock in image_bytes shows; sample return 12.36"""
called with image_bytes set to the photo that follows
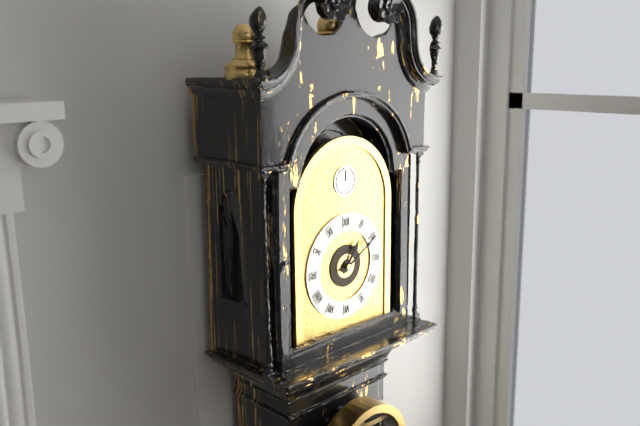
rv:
1.10
